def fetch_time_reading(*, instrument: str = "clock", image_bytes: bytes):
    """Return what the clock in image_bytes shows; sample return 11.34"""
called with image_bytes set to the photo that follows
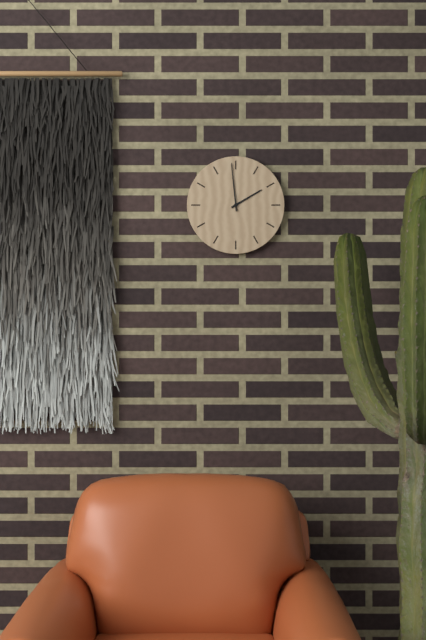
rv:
1.59
